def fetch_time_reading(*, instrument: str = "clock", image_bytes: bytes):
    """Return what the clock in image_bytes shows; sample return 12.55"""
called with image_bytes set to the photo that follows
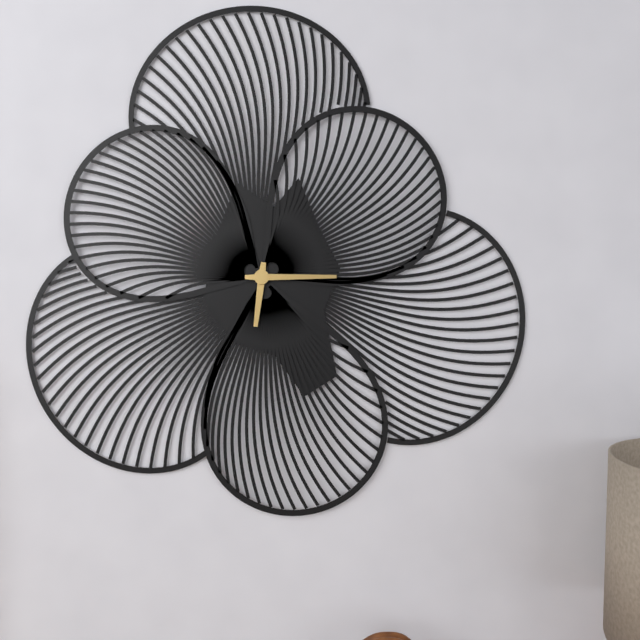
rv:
6.15
